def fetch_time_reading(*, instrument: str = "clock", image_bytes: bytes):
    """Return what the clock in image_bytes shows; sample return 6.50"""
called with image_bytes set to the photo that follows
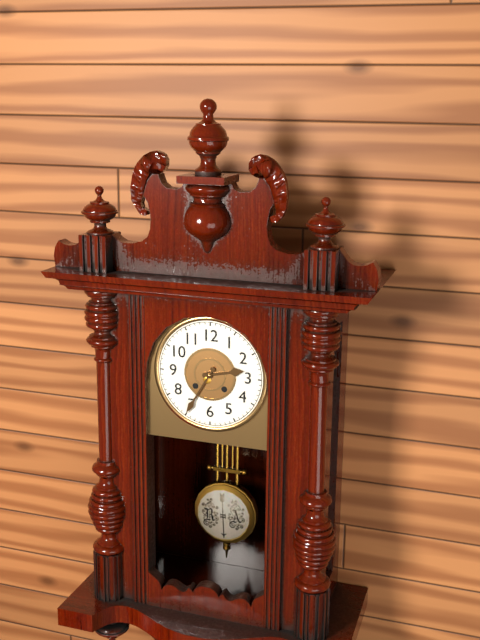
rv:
2.35
